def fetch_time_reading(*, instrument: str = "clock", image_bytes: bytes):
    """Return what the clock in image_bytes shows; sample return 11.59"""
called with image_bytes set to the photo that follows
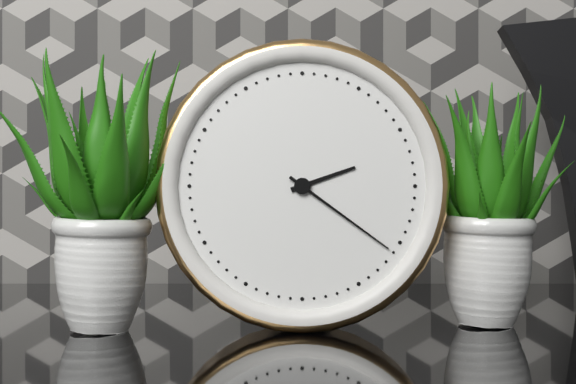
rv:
2.21
